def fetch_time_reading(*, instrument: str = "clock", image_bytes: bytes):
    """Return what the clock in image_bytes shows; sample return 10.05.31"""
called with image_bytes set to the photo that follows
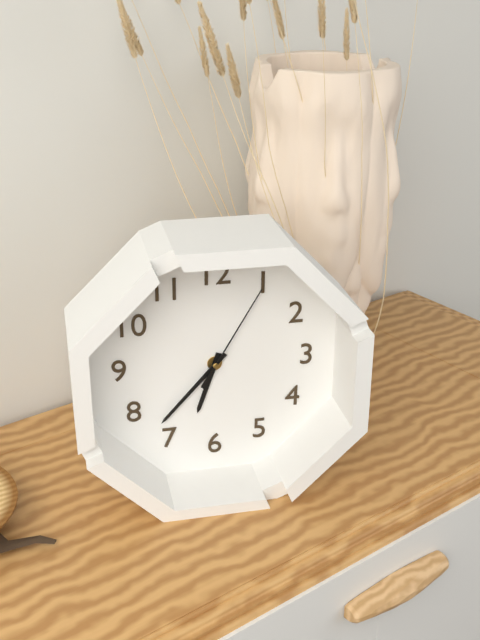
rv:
6.37.05
